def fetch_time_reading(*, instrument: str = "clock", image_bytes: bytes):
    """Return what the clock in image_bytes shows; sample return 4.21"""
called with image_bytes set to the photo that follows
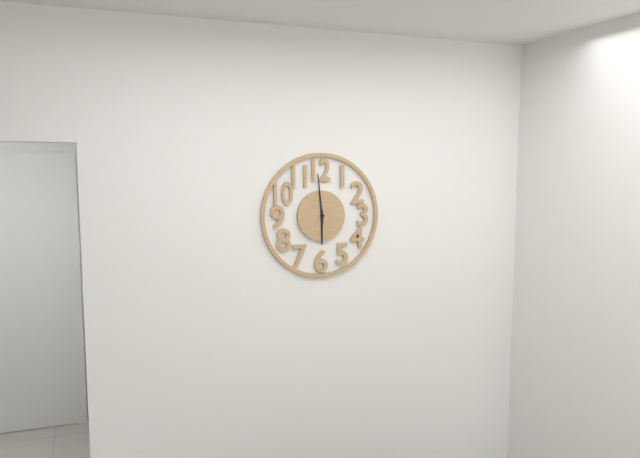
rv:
5.59
